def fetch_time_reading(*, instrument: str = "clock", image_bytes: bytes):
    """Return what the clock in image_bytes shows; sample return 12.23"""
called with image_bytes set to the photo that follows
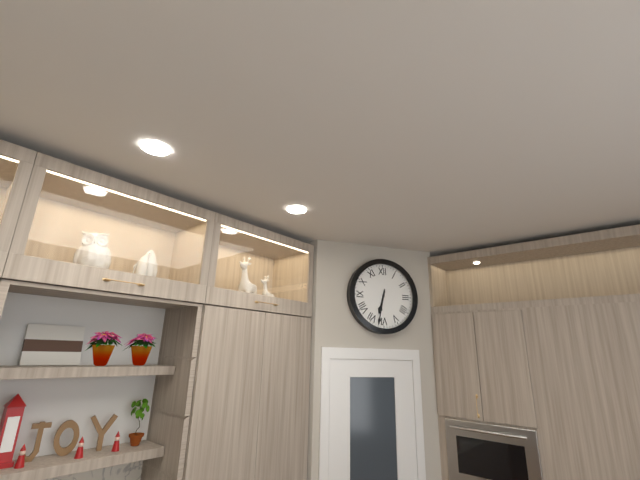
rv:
6.32
